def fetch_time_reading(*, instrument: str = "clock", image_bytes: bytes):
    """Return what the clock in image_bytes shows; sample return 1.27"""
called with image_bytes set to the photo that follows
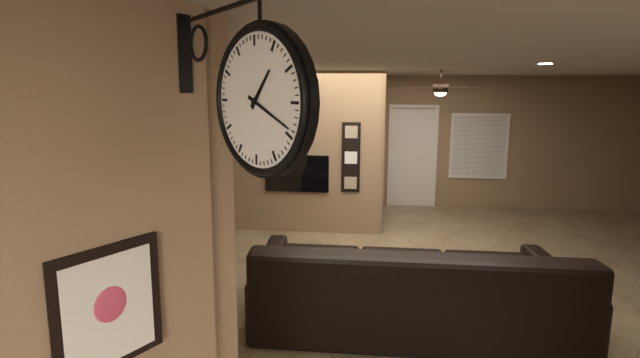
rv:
1.19
